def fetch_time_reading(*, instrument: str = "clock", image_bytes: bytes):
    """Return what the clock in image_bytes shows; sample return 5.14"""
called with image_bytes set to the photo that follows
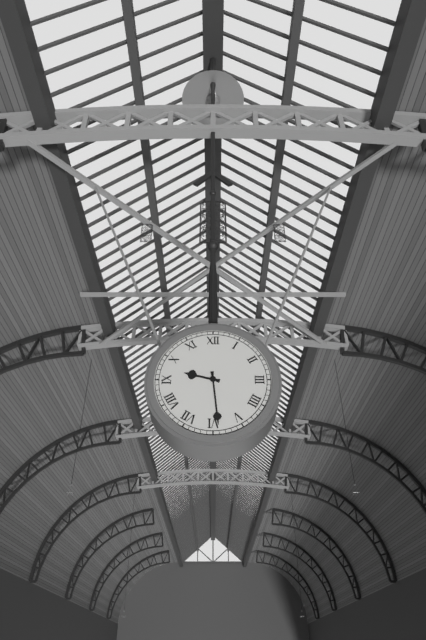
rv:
9.29
